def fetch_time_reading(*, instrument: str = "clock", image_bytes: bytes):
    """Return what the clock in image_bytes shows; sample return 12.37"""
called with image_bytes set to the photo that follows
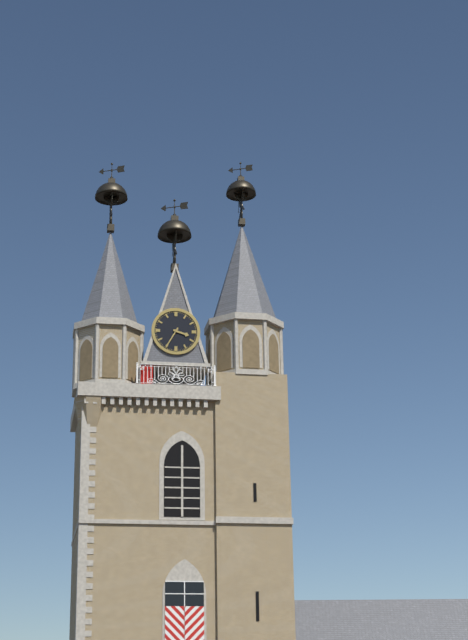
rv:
3.35
